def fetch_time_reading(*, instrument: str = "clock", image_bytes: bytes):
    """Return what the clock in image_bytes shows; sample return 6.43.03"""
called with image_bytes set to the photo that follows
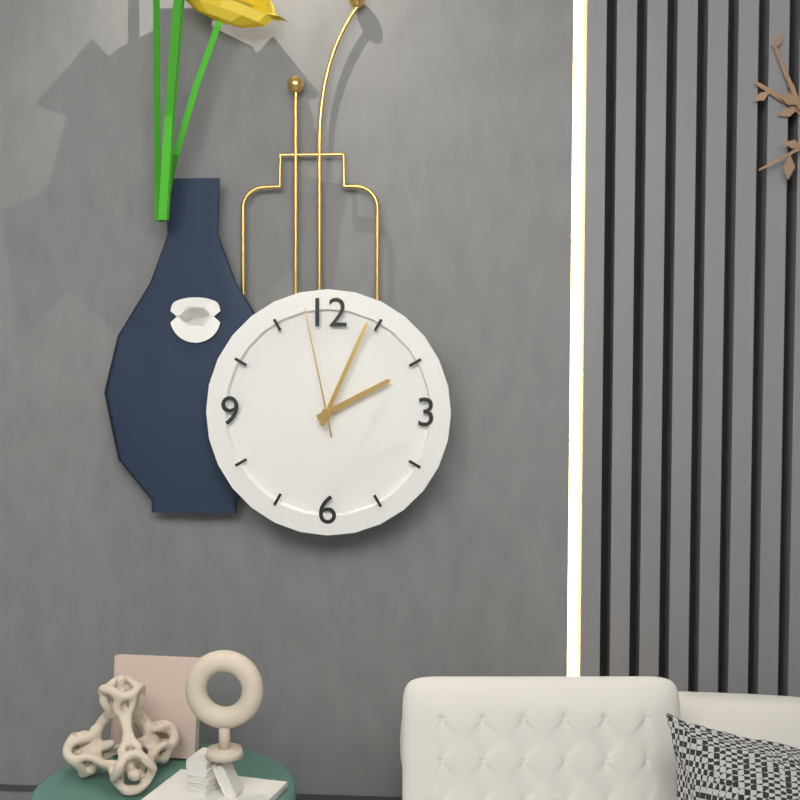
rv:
2.04.58
